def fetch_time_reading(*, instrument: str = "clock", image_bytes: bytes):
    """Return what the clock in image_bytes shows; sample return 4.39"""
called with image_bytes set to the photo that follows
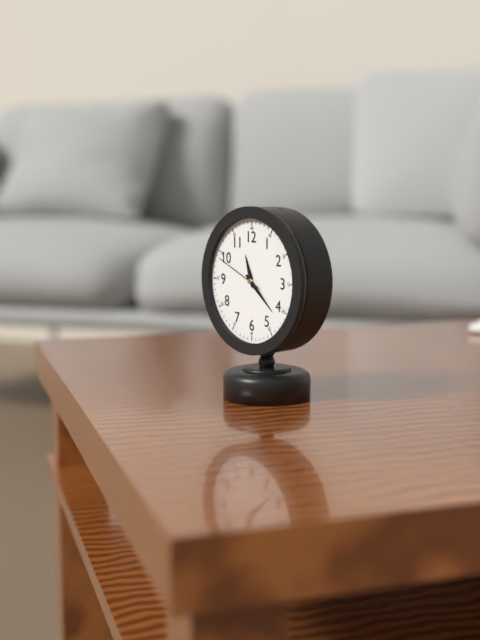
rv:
11.22
